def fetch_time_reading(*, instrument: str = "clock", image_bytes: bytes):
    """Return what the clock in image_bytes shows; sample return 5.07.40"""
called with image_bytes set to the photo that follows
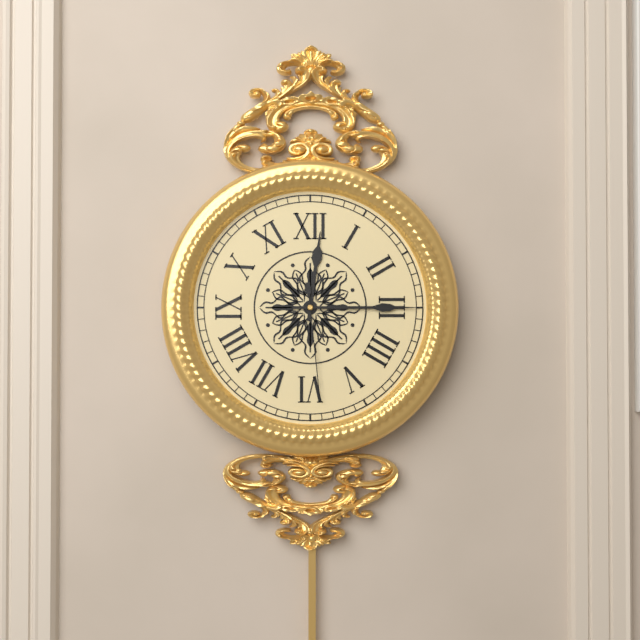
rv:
12.15.29
